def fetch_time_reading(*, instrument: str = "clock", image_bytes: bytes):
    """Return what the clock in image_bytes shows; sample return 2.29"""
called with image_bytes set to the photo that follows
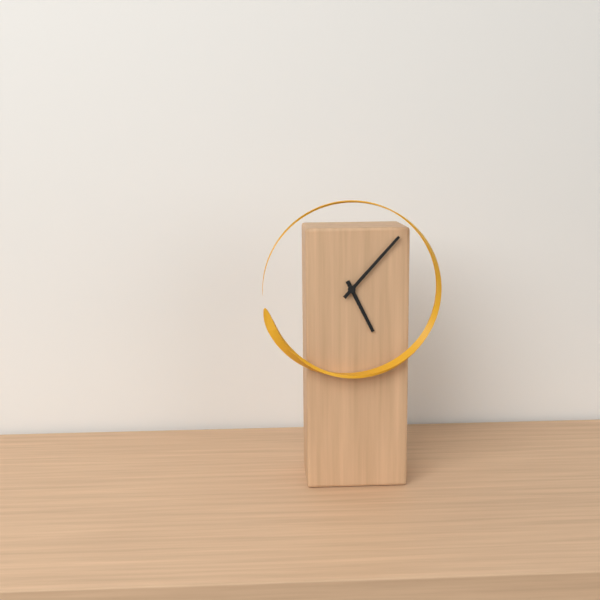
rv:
5.07
